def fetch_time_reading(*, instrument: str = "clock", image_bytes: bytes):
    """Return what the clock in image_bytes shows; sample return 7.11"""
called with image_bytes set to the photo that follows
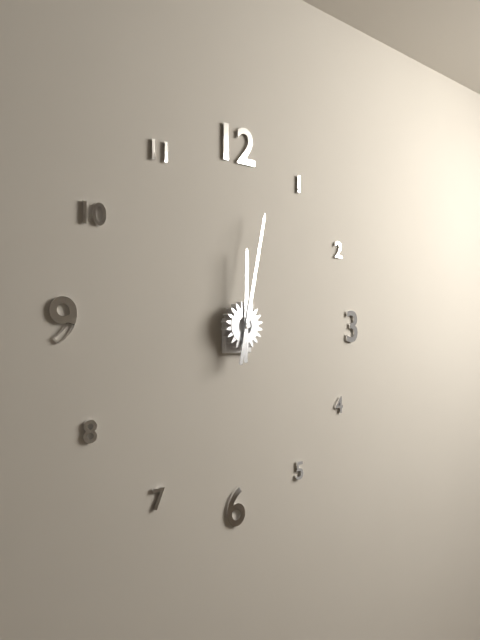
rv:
12.02
